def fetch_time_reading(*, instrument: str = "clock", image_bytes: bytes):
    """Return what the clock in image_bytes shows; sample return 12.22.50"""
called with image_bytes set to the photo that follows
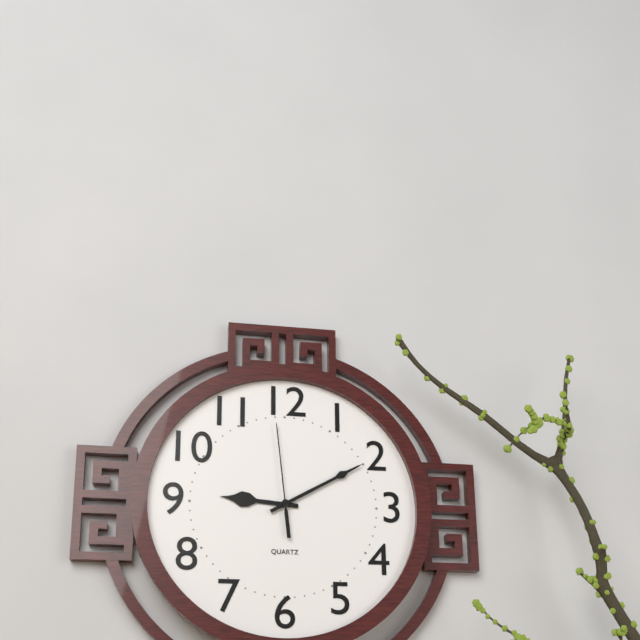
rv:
9.10.59
